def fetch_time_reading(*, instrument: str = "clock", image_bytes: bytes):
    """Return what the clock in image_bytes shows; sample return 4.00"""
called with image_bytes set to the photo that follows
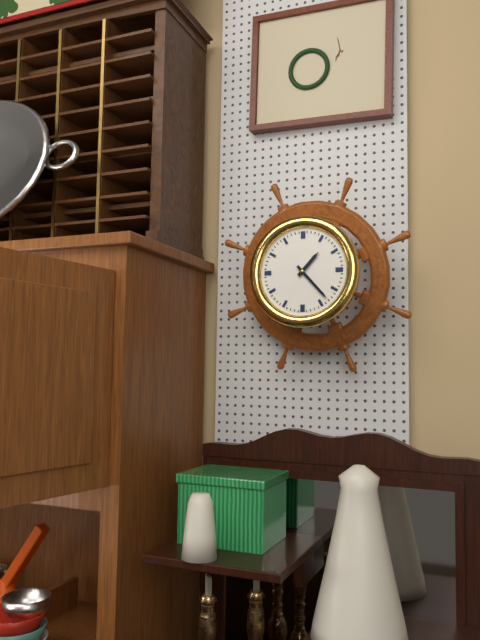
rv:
1.23
